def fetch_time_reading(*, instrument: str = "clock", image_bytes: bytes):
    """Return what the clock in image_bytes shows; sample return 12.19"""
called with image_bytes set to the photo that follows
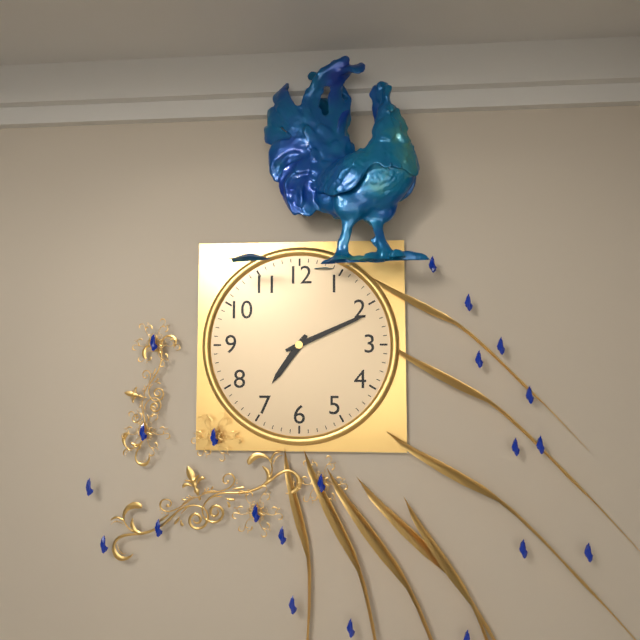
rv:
7.11
